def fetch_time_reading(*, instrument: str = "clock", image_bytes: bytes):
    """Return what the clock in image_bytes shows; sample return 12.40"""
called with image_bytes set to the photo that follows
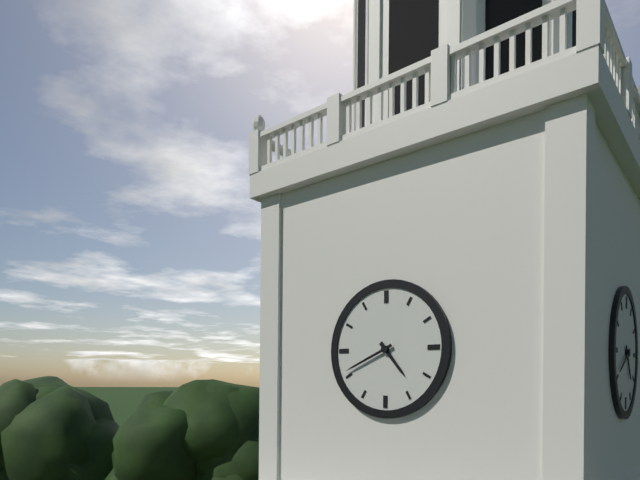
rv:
4.41
